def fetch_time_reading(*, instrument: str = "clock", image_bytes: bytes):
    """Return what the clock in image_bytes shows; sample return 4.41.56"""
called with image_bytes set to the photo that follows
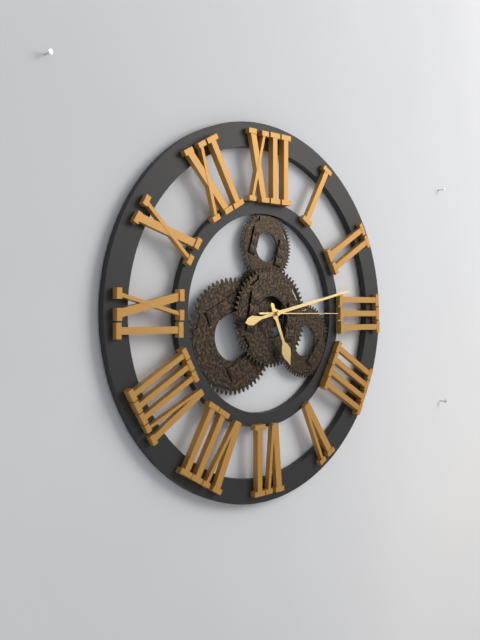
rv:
5.13.15
